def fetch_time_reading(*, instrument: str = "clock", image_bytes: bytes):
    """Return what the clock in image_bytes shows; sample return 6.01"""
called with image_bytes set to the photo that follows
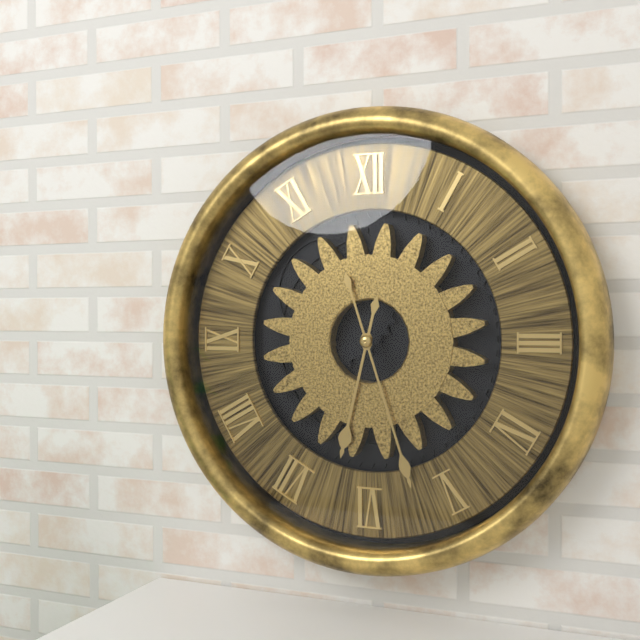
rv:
6.27
